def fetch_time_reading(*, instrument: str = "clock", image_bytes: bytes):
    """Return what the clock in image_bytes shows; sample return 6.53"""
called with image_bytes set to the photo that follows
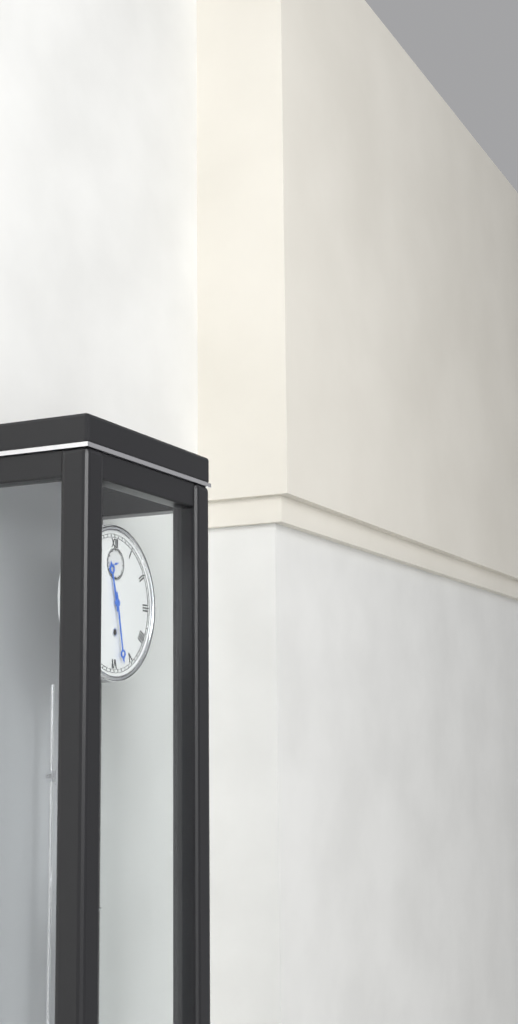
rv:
11.28
